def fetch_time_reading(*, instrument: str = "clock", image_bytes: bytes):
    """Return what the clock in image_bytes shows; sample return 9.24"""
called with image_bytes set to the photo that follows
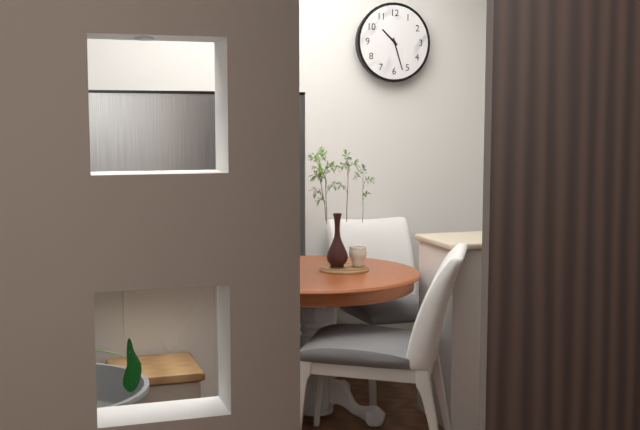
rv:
10.27
